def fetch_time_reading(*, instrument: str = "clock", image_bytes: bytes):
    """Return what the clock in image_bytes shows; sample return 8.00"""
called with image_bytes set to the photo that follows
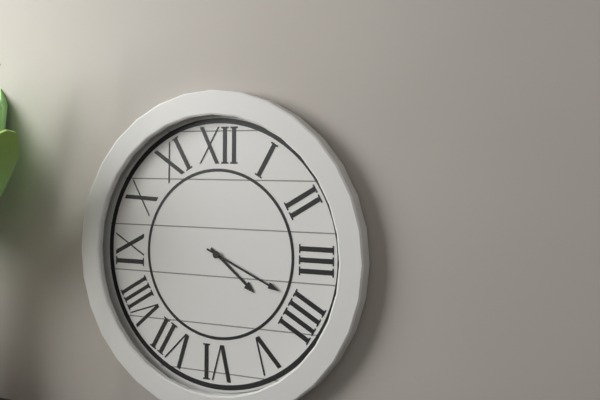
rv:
4.19
